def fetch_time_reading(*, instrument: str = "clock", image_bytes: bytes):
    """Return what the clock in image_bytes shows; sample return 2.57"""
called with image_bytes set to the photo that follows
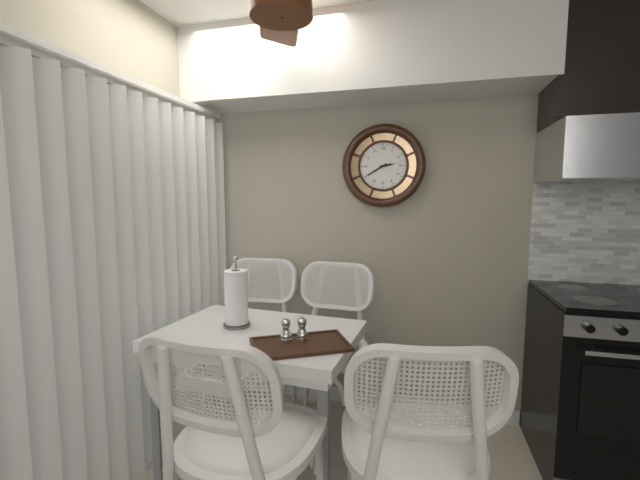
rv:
2.40
